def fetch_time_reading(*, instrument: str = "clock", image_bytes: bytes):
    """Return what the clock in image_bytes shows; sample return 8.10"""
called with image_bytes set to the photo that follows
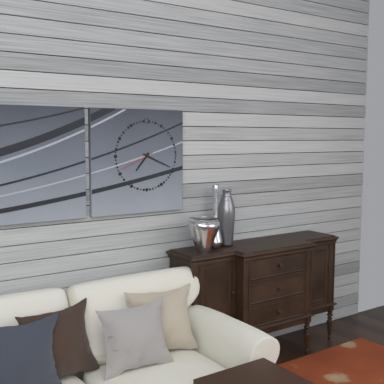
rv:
7.19
